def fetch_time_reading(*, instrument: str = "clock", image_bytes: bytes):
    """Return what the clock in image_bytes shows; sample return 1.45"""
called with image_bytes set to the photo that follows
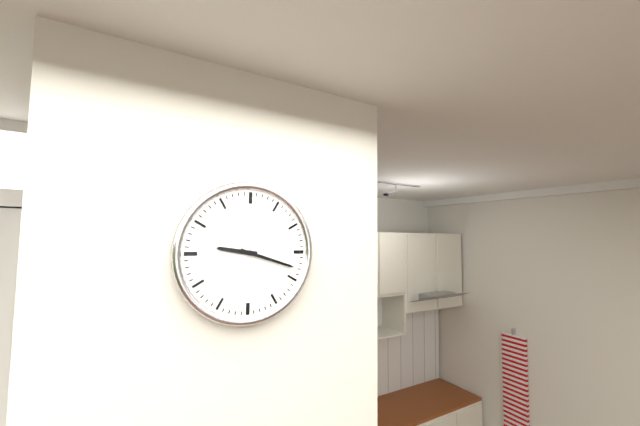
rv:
9.18
